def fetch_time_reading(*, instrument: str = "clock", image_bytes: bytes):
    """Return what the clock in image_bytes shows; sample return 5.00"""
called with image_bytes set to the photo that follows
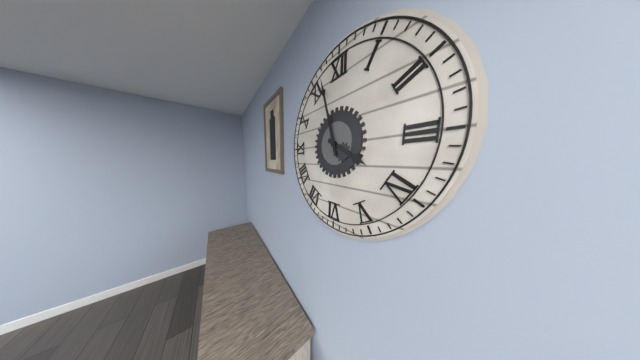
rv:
3.57
